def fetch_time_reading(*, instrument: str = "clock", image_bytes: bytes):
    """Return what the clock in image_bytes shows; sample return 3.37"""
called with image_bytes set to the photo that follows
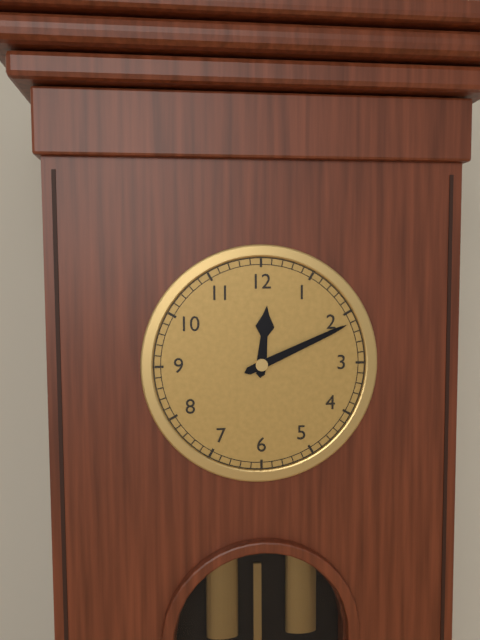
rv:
12.11
